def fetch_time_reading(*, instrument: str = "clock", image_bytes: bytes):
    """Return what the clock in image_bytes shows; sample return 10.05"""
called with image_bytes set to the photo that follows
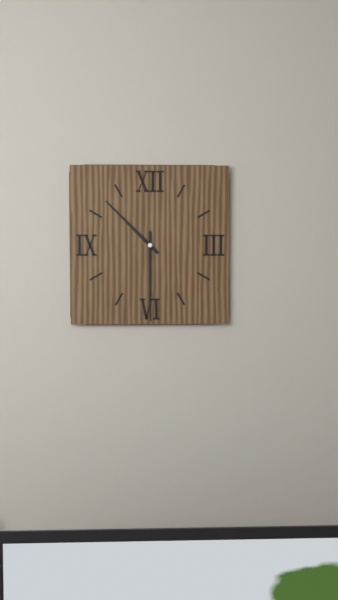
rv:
10.30
